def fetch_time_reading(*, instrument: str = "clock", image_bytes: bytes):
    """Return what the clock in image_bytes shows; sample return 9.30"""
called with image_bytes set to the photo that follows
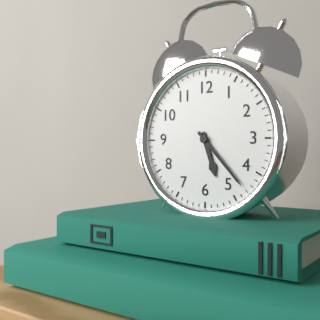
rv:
5.23
